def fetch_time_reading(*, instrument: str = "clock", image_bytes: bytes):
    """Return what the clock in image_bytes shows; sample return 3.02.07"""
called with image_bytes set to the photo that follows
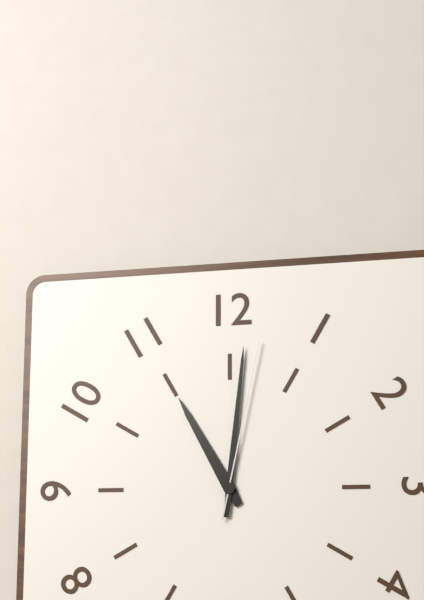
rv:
11.01.02
